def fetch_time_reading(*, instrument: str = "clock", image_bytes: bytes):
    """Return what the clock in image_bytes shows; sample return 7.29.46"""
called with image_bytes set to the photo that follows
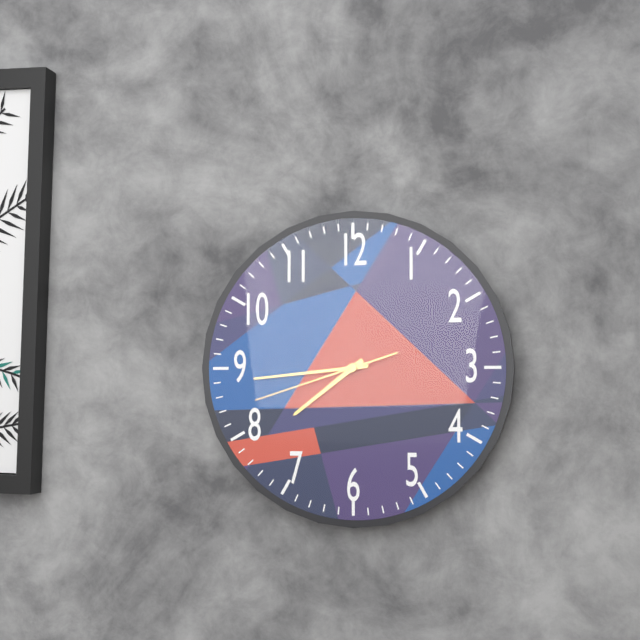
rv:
7.44.42
